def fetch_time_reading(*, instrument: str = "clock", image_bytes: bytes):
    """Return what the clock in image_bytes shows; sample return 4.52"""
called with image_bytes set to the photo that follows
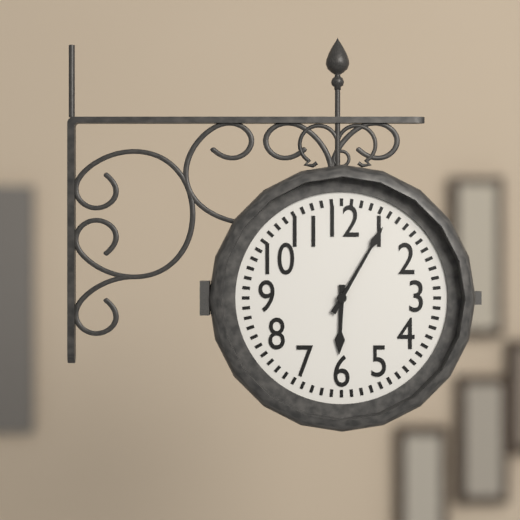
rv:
6.05
